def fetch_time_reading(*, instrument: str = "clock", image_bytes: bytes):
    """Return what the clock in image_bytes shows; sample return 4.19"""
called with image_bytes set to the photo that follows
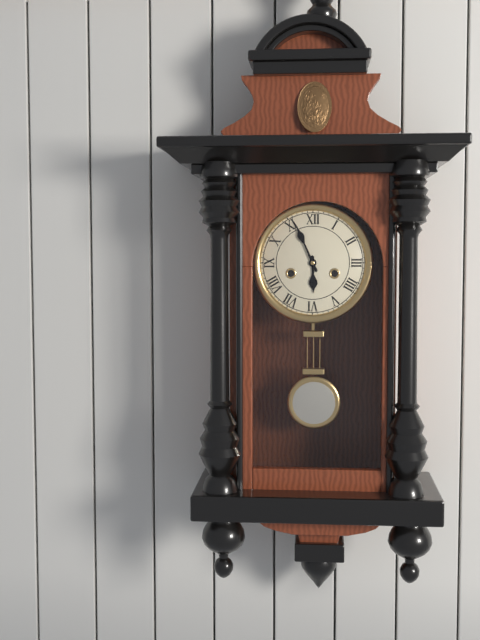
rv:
5.56
